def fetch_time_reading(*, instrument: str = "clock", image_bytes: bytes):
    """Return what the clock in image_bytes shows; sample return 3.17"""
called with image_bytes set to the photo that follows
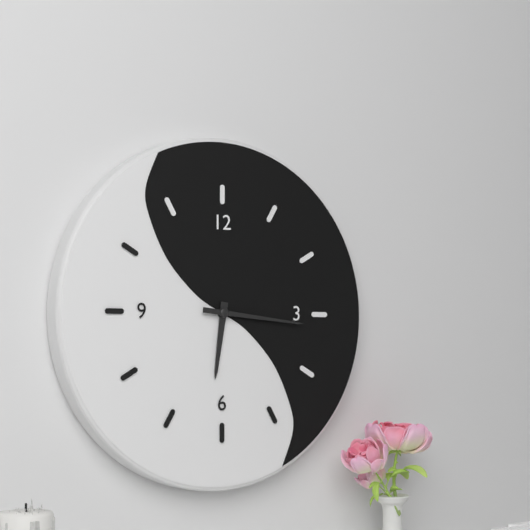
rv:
6.16
